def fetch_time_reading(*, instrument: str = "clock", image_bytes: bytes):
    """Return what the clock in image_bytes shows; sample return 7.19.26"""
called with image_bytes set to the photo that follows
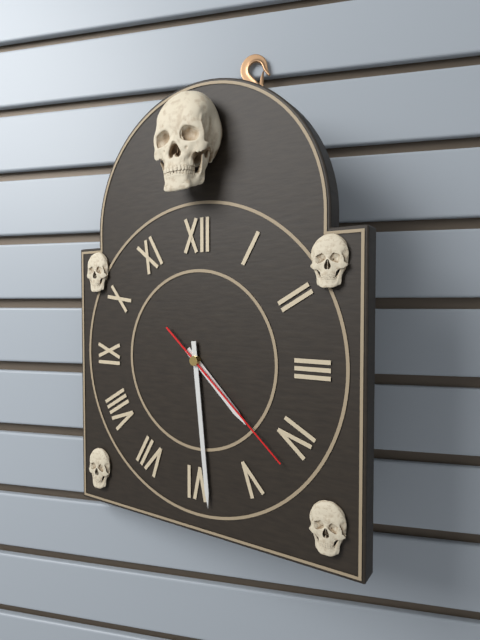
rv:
4.29.22
